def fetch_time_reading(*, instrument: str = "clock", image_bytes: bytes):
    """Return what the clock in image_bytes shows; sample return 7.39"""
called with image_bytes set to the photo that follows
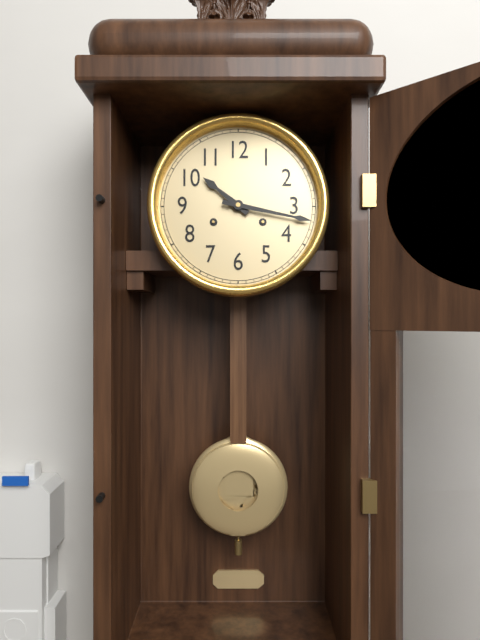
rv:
10.17
